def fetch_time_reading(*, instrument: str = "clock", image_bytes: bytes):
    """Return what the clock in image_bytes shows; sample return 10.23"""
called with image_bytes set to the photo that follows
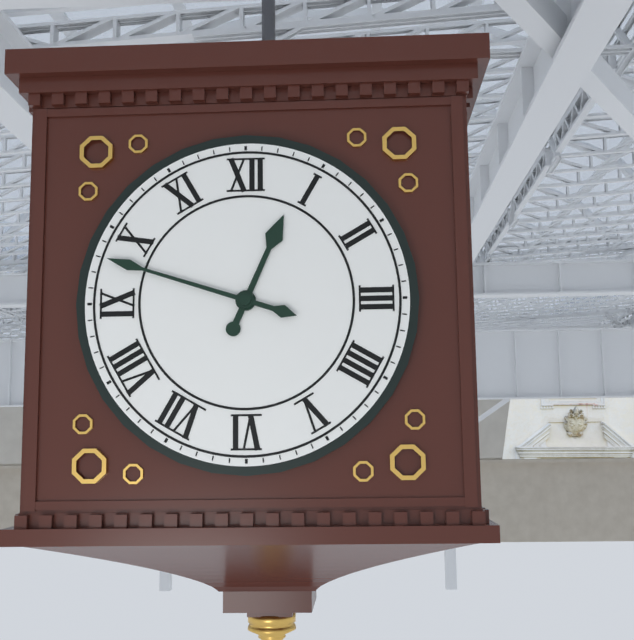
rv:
12.48
